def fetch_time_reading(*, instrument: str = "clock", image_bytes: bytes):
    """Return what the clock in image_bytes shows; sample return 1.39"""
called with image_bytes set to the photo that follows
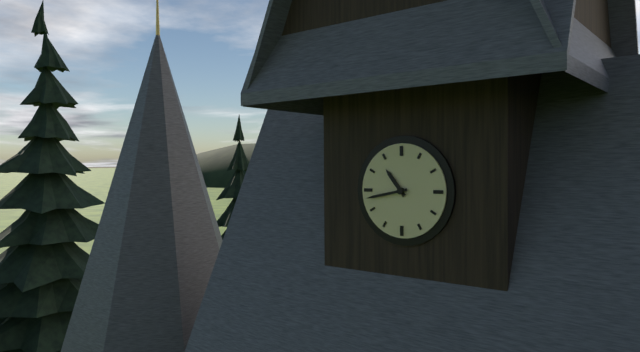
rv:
10.43
